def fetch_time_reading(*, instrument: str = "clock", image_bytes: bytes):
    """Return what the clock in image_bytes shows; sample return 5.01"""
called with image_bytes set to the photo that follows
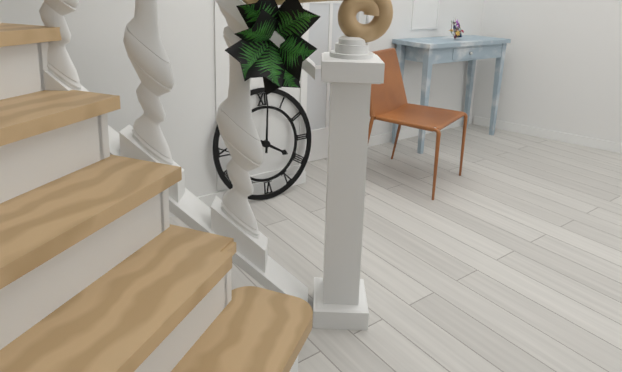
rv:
4.01
